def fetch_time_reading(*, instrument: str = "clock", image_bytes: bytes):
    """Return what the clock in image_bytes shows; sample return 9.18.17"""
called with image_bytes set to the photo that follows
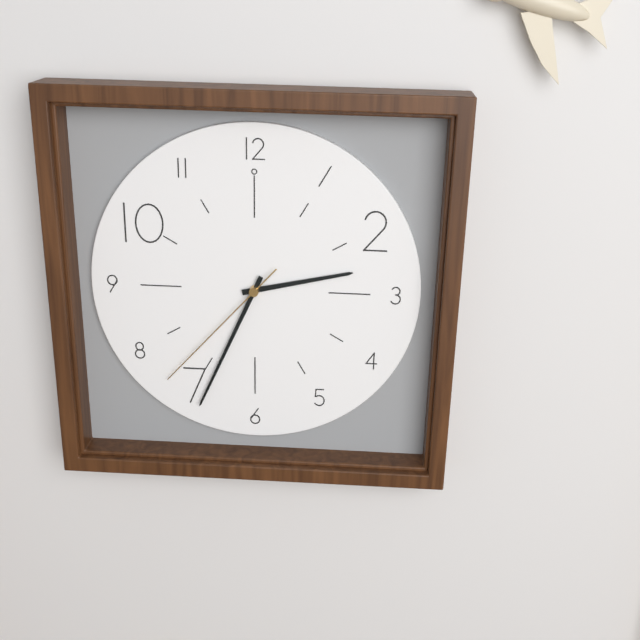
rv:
2.34.37
